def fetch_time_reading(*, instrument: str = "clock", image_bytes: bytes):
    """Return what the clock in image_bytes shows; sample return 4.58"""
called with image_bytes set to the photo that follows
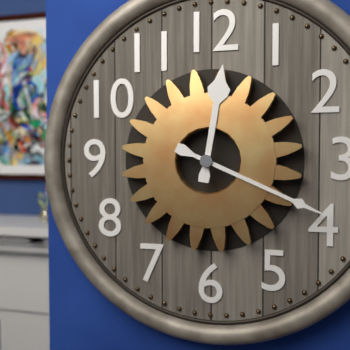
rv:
12.19
